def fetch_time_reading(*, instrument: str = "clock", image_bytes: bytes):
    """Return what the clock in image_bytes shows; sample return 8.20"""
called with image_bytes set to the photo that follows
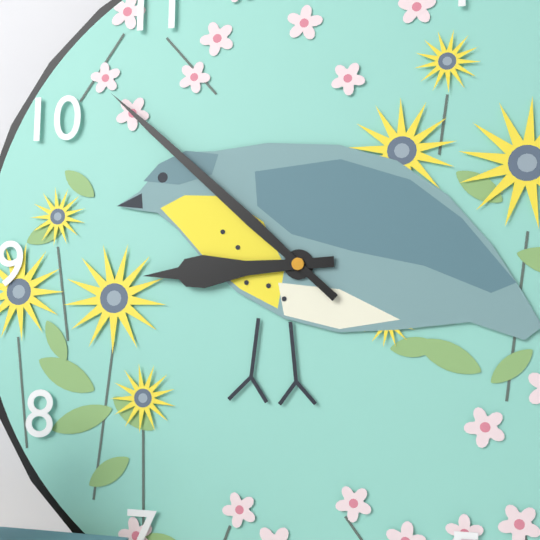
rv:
8.52
